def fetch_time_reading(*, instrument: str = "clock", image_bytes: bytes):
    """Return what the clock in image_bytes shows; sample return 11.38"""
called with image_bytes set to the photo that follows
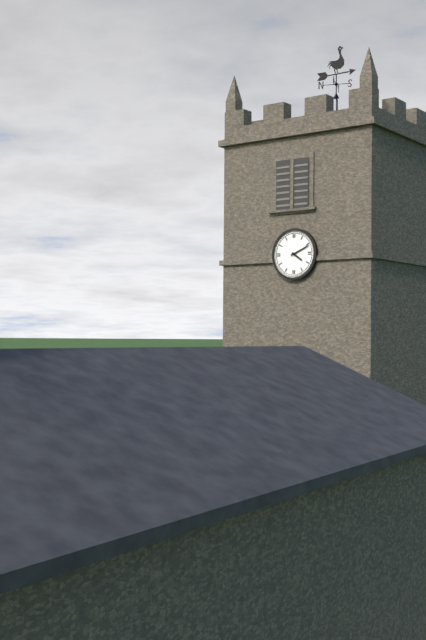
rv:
4.11
